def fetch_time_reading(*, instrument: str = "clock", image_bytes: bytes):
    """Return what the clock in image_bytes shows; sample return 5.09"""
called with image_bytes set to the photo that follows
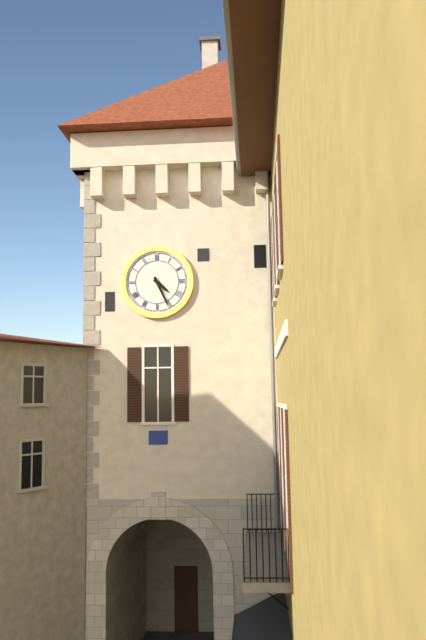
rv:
4.26
